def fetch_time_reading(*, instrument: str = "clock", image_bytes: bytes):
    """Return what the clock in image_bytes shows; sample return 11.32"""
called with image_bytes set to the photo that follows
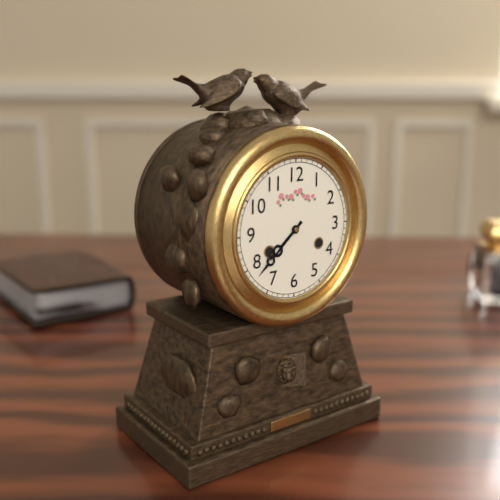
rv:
7.38
